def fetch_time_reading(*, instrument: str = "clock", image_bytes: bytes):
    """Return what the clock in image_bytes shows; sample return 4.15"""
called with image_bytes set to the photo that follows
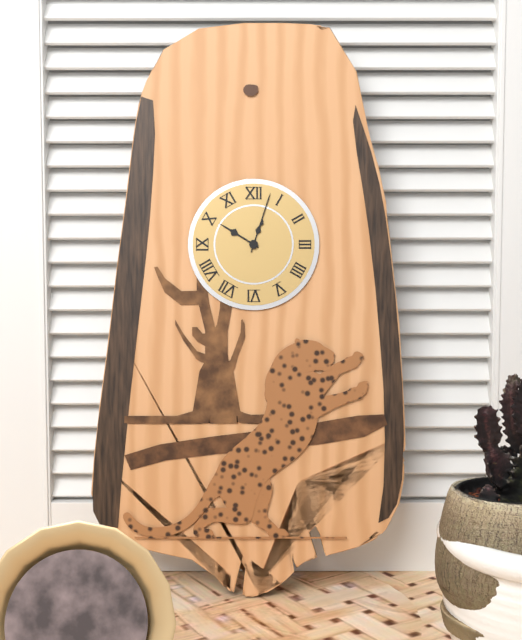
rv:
10.03
